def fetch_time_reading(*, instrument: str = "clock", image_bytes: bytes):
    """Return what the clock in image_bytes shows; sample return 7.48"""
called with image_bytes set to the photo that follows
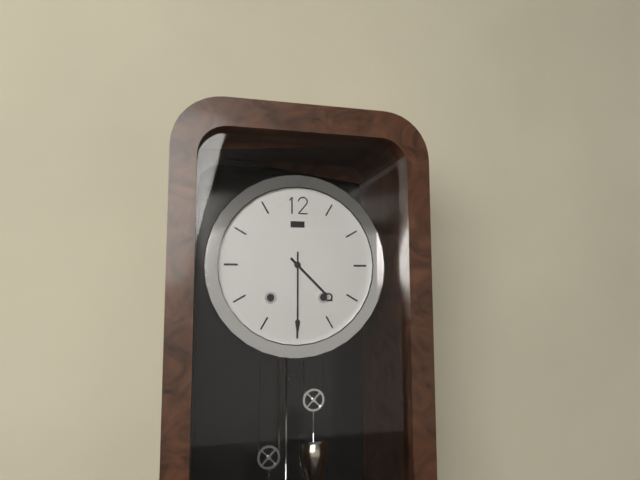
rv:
4.30
